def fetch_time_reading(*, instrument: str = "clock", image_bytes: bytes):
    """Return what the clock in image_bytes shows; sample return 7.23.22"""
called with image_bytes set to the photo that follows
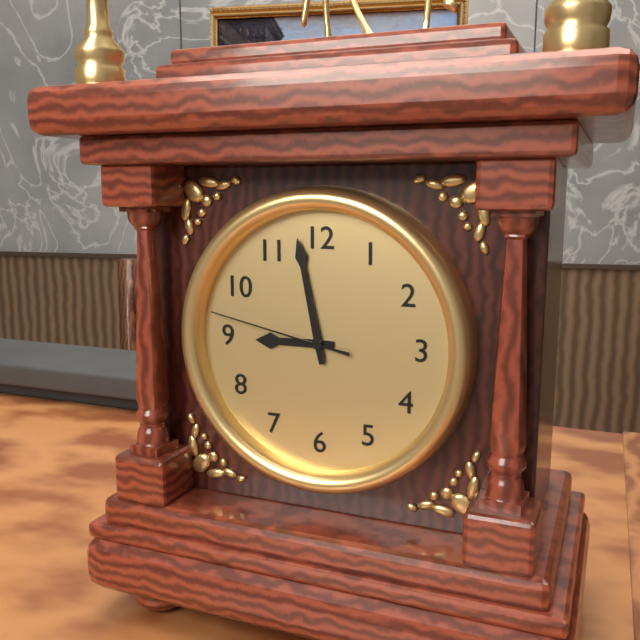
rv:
8.58.47
